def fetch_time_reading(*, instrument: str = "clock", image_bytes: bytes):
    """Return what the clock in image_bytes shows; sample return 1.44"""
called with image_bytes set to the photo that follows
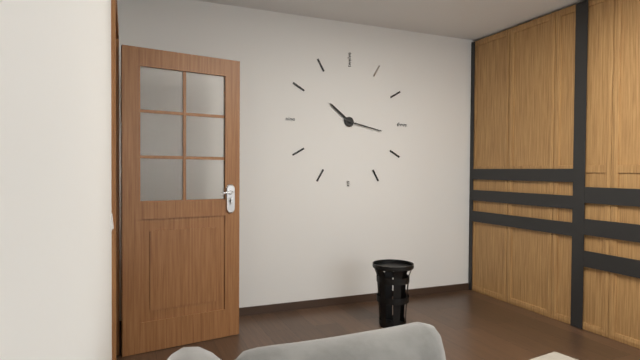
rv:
10.17
